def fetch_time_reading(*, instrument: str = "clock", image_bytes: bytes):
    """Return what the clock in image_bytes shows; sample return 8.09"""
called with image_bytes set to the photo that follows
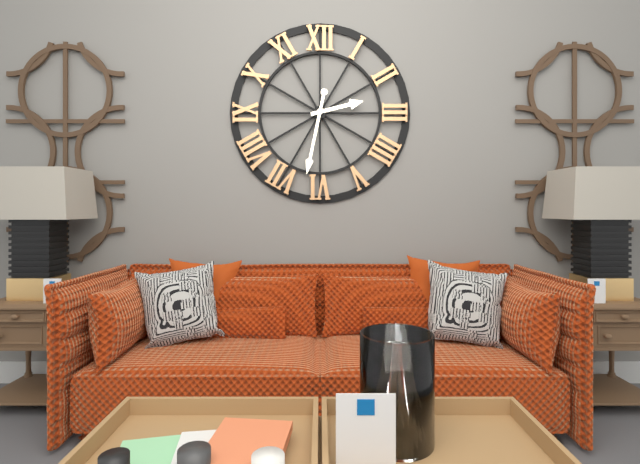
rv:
2.32
